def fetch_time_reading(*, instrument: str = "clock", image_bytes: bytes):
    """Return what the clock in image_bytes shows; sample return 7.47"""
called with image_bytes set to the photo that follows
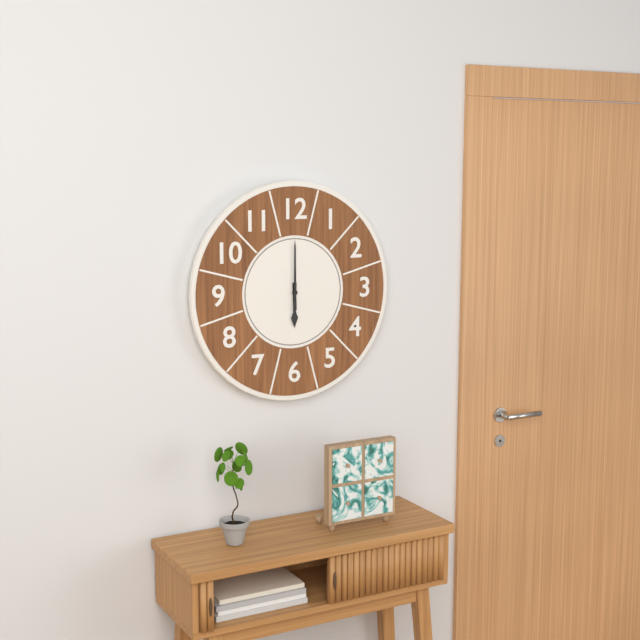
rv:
6.00
